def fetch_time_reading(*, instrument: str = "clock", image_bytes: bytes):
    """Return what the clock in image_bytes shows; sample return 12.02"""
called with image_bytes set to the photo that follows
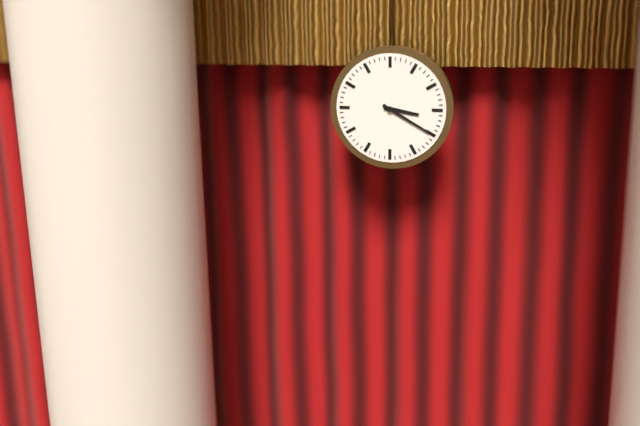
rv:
3.20
